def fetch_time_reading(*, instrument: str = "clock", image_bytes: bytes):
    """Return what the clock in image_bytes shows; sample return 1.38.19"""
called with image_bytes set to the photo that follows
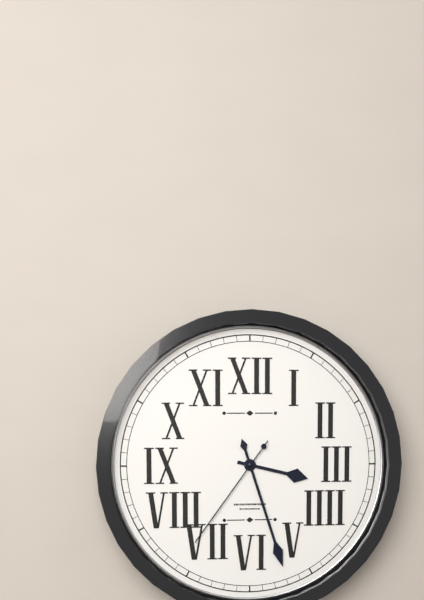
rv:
3.27.36
